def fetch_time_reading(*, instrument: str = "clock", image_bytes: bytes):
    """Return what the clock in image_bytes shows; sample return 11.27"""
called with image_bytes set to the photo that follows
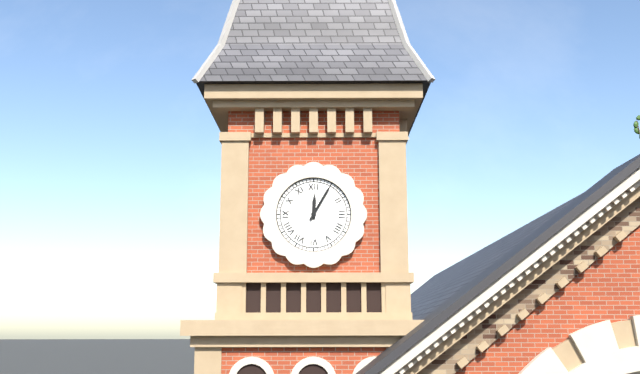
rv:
12.05
